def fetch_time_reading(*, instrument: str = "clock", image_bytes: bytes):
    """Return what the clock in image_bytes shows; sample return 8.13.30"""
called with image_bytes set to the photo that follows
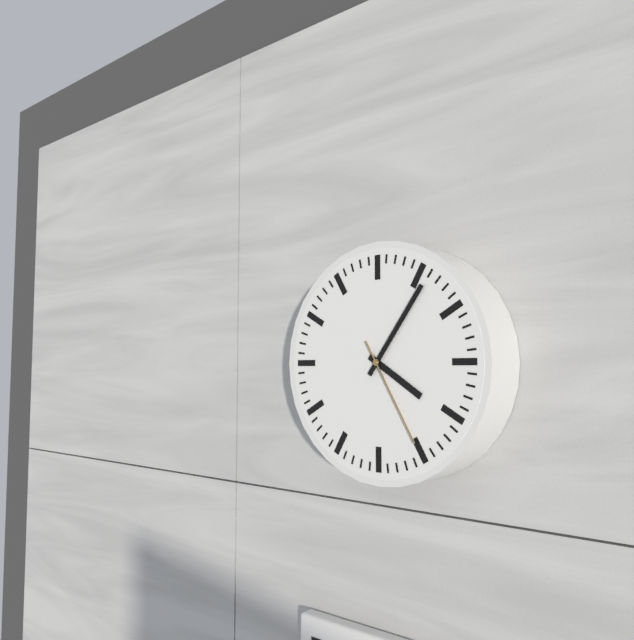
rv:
4.06.25
